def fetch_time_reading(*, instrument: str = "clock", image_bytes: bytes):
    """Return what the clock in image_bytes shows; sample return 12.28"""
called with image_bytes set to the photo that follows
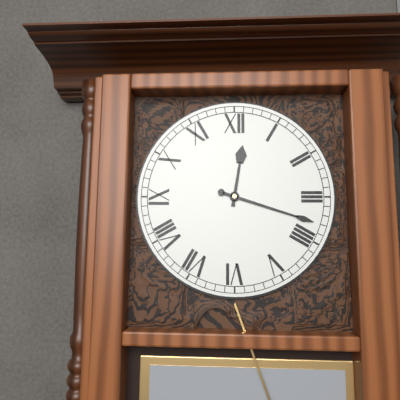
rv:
12.18
